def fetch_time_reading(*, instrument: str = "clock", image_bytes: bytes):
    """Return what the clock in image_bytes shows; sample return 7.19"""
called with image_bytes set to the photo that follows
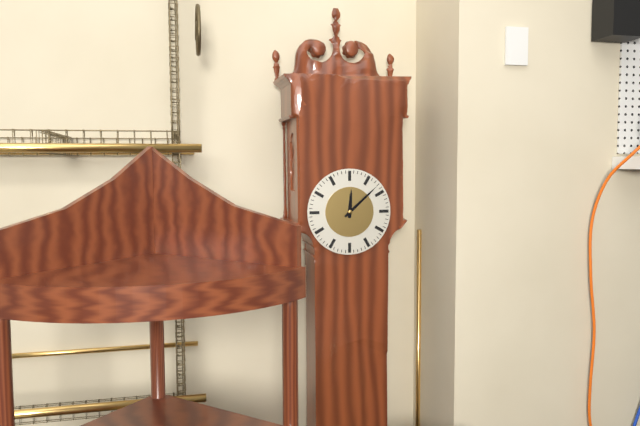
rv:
12.08
